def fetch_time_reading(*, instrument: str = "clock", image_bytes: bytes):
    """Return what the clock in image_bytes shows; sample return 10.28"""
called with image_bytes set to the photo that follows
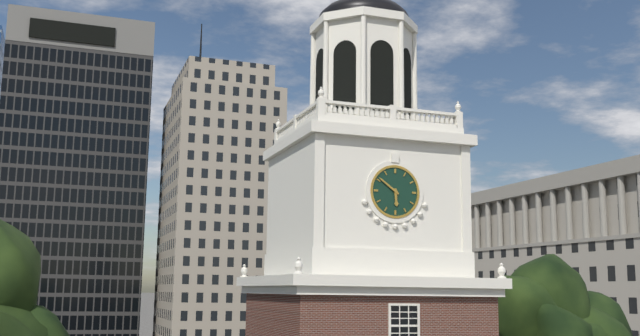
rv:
5.51
